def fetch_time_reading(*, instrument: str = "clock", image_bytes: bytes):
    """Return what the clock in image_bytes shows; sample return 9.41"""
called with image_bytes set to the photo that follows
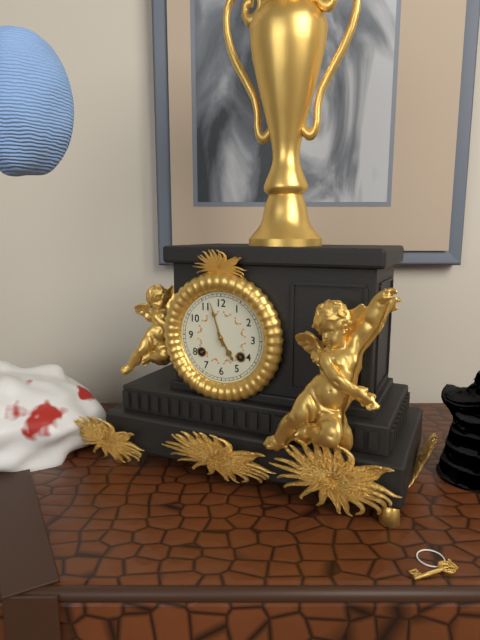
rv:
4.57
